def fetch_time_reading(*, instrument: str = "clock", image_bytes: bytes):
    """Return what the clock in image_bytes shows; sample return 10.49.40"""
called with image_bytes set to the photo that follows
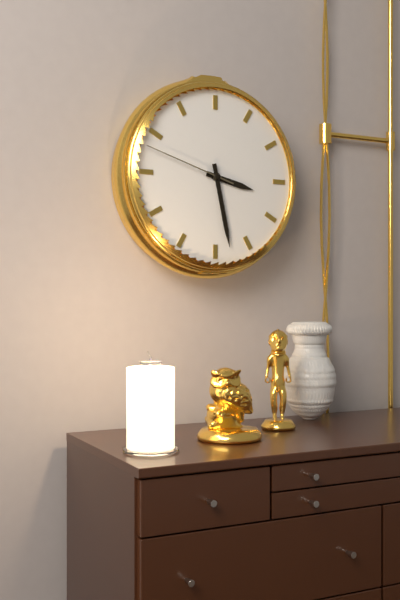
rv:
3.28.48
